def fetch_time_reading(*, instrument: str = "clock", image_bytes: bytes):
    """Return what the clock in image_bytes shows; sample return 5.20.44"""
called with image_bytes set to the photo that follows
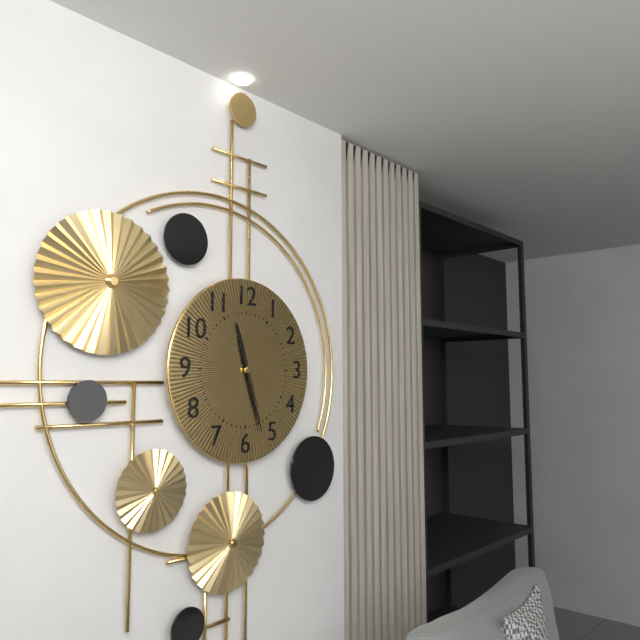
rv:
11.27.27
